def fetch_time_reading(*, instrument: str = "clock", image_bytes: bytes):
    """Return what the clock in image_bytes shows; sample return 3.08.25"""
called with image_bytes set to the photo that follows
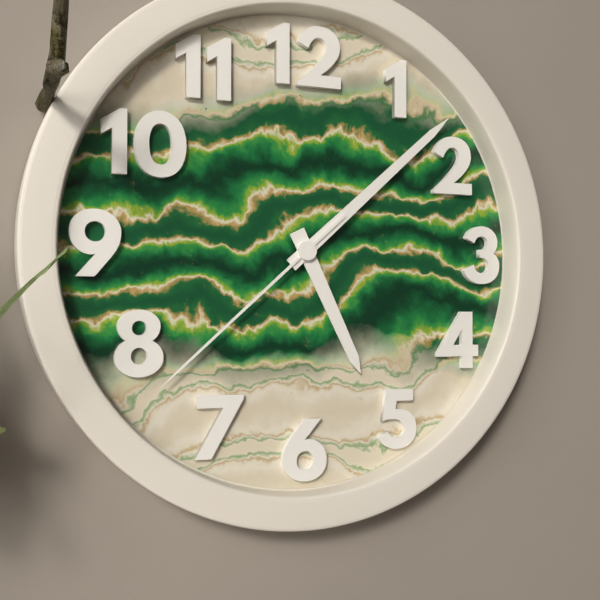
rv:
5.08.38
